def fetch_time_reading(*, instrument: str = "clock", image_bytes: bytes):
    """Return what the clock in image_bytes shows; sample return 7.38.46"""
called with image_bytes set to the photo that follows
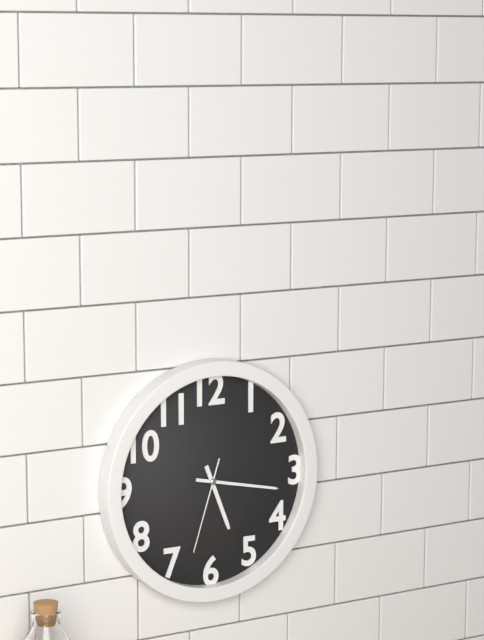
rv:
5.17.33
